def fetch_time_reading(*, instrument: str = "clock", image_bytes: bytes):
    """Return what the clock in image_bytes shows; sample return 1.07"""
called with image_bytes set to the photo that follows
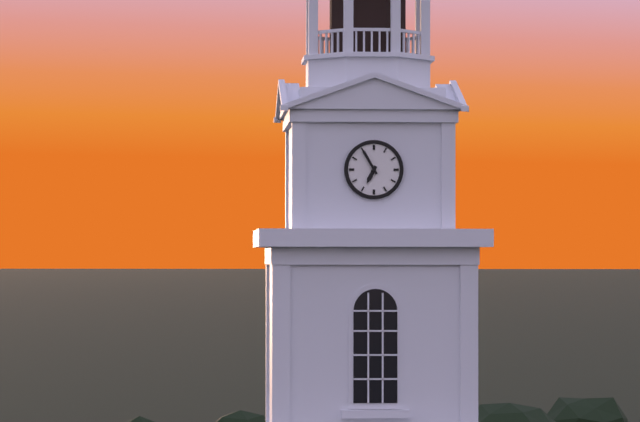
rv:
6.55
